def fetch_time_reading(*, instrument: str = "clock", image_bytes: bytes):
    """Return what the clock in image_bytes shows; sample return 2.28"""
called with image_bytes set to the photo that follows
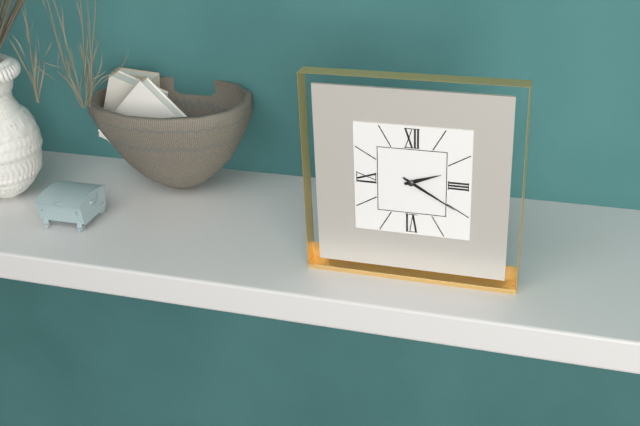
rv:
2.20
